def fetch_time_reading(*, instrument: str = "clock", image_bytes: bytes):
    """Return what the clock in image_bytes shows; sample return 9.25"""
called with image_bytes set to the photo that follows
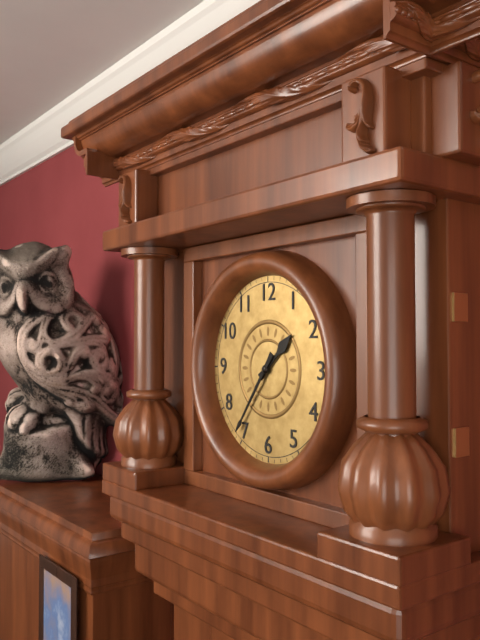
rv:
1.36
